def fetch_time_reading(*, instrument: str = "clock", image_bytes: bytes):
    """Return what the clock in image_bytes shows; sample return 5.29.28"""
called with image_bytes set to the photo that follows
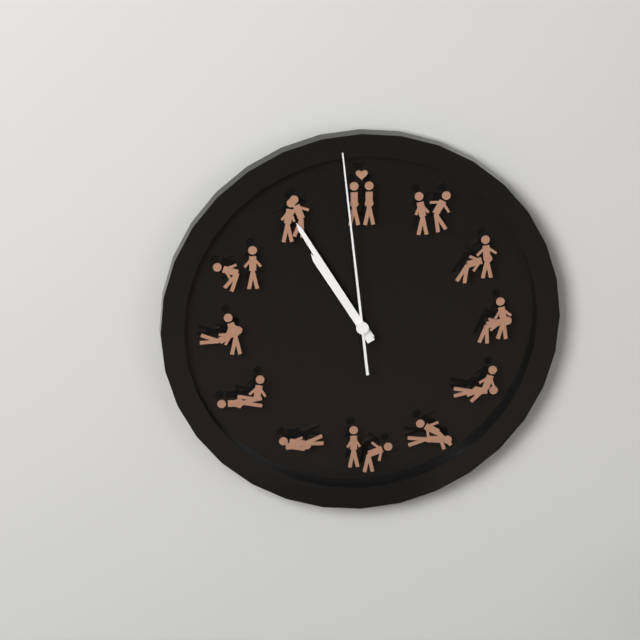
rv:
10.55.59
